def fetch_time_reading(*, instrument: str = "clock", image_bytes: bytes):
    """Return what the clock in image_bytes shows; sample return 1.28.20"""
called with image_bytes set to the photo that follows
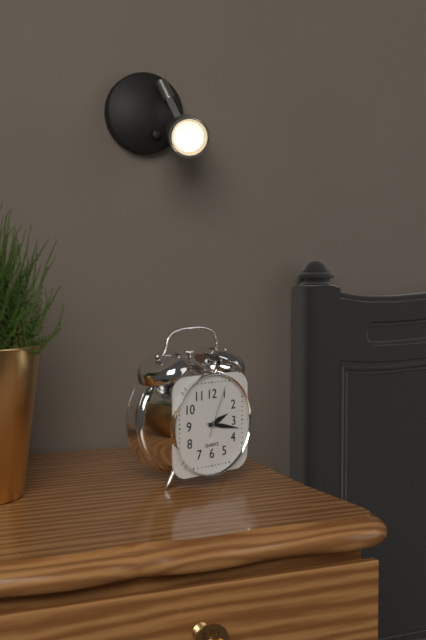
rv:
2.17.04
